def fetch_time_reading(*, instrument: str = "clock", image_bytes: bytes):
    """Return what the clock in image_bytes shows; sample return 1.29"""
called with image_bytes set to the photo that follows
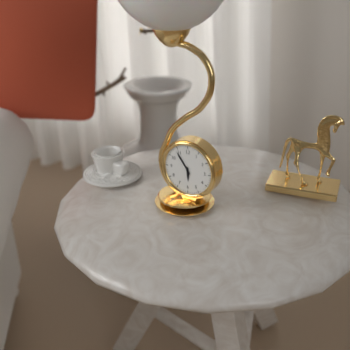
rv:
5.54
